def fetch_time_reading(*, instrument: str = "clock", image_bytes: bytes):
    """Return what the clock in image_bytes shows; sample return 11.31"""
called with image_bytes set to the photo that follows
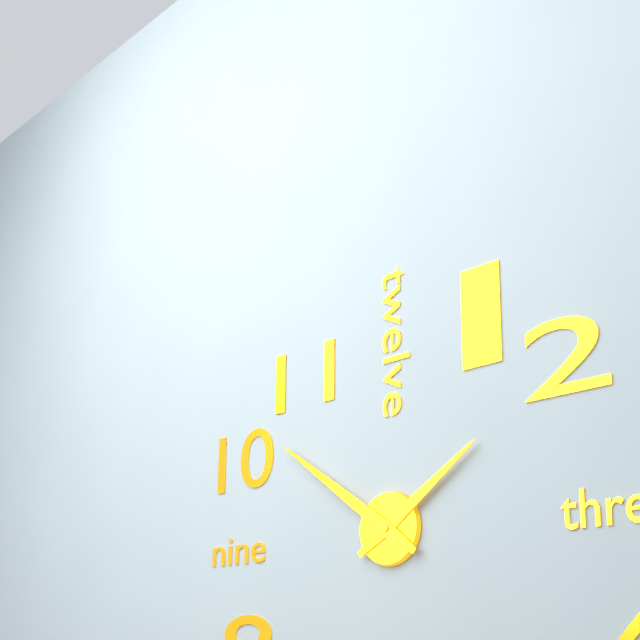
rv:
1.51
